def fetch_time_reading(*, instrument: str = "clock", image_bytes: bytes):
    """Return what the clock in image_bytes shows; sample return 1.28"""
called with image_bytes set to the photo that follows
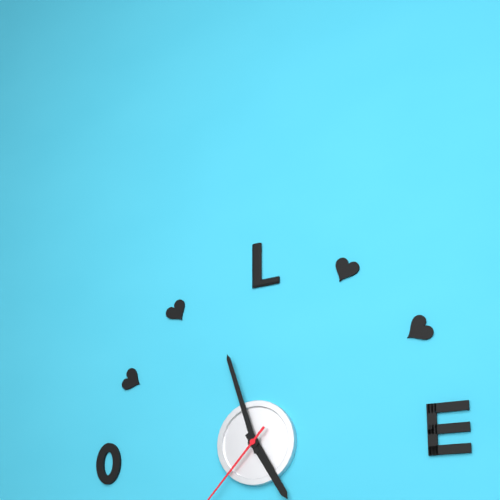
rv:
4.57
